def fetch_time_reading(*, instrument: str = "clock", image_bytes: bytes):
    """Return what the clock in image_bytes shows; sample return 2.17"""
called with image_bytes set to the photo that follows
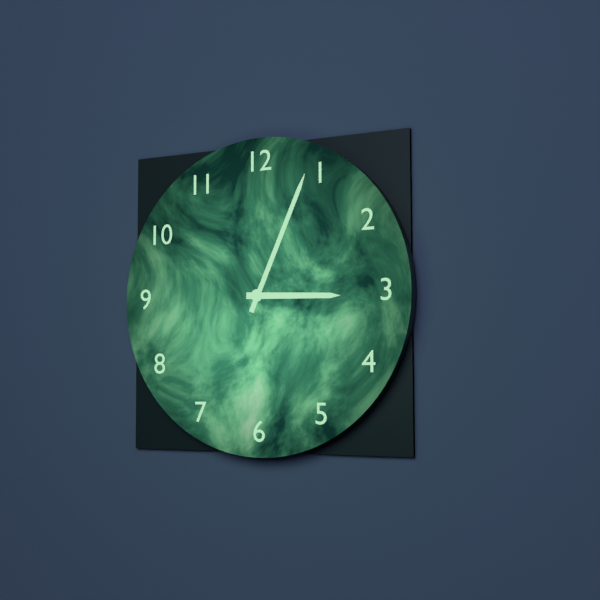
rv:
3.04
